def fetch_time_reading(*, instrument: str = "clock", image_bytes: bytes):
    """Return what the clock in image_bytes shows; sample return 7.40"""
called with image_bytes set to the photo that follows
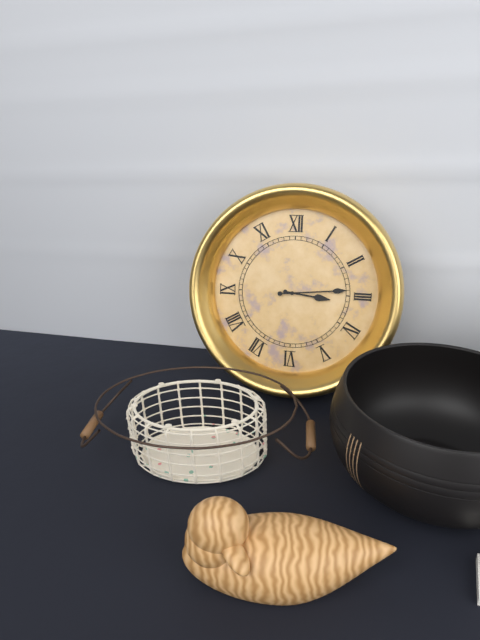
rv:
3.14
